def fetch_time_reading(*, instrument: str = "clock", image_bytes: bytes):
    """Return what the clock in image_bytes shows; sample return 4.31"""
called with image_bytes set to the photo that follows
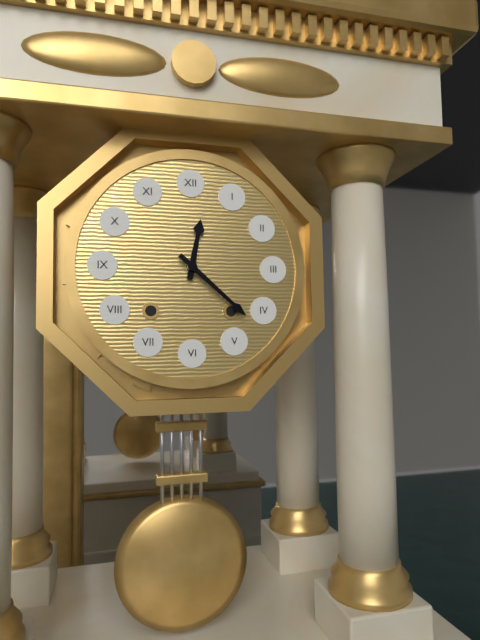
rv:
12.22
